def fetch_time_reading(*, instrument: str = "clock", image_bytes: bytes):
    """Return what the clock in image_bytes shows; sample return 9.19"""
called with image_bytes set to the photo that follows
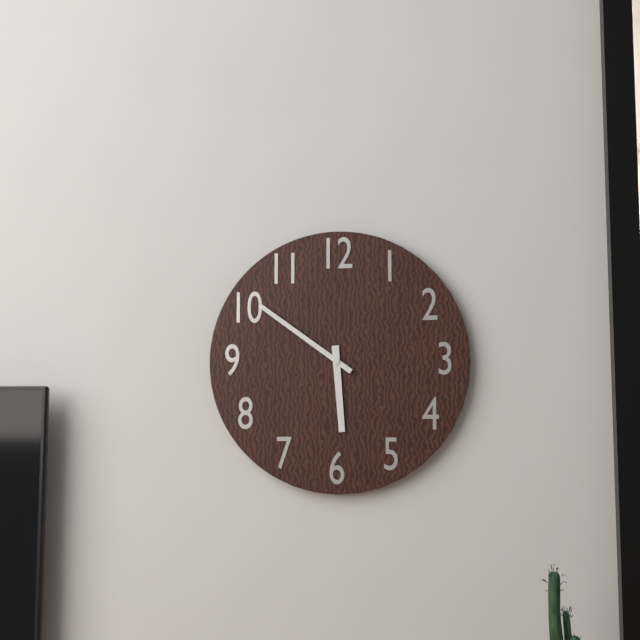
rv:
5.51
